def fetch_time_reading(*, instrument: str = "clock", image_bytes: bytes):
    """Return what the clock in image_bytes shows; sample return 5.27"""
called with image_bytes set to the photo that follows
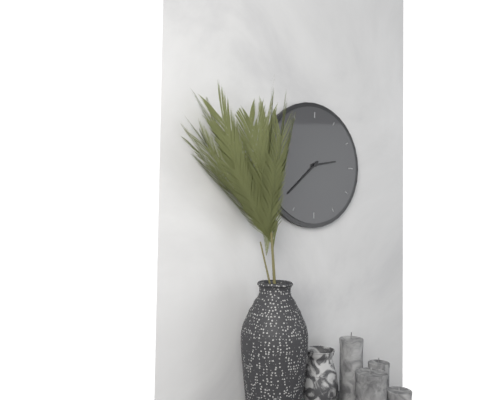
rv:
2.38
